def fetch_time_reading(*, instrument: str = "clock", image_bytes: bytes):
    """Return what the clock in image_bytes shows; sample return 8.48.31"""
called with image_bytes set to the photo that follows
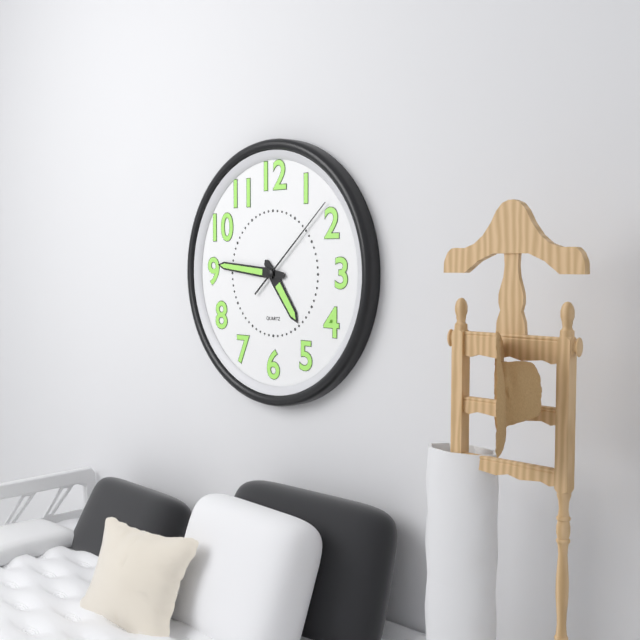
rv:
4.46.08
